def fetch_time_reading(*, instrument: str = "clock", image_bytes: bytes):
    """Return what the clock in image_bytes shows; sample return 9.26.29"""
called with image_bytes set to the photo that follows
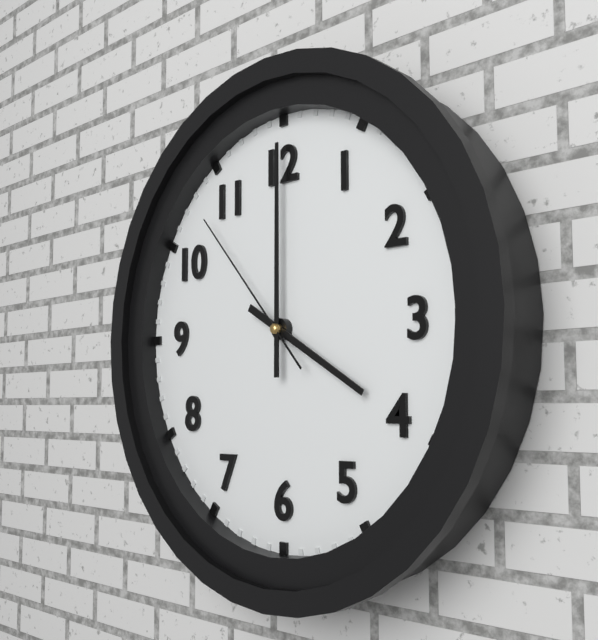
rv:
4.00.53
